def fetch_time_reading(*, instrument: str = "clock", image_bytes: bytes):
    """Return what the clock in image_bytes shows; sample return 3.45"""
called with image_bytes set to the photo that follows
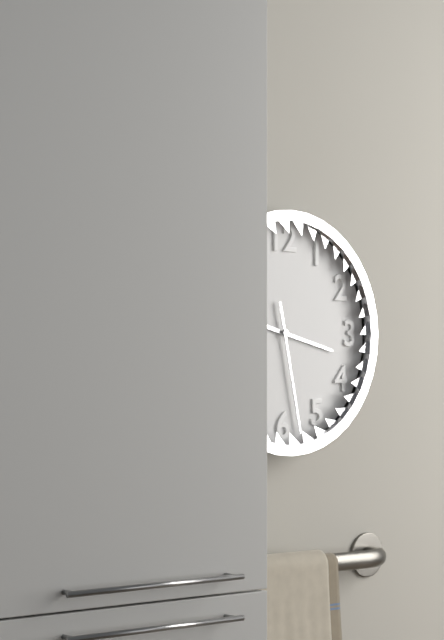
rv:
3.28
